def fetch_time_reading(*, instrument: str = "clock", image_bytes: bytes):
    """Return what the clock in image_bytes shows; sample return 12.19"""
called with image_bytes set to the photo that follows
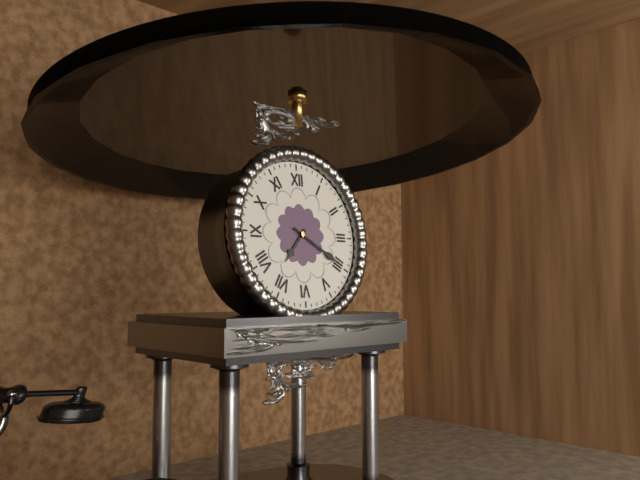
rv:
7.20
